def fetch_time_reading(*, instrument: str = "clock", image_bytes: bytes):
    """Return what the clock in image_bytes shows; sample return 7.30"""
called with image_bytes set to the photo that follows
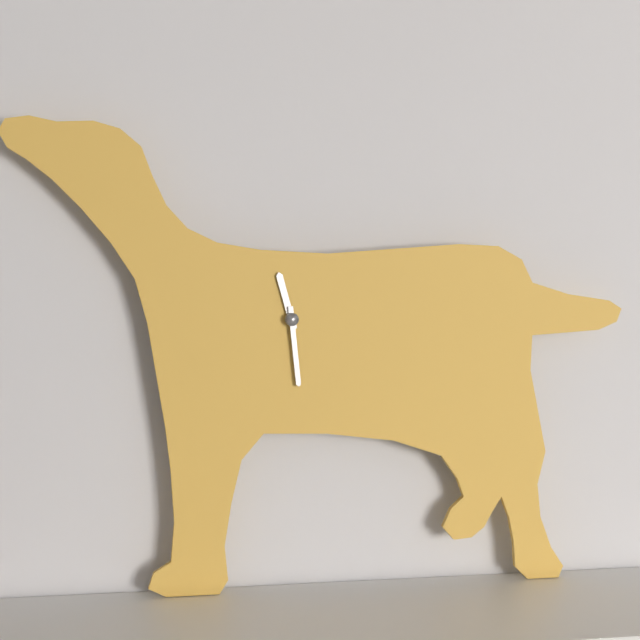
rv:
11.29
